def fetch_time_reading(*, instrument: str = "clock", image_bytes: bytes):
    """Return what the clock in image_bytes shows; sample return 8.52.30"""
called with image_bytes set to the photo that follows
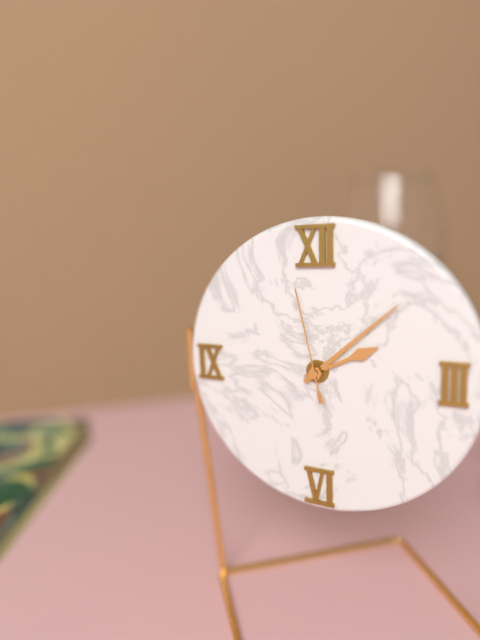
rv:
2.08.58
